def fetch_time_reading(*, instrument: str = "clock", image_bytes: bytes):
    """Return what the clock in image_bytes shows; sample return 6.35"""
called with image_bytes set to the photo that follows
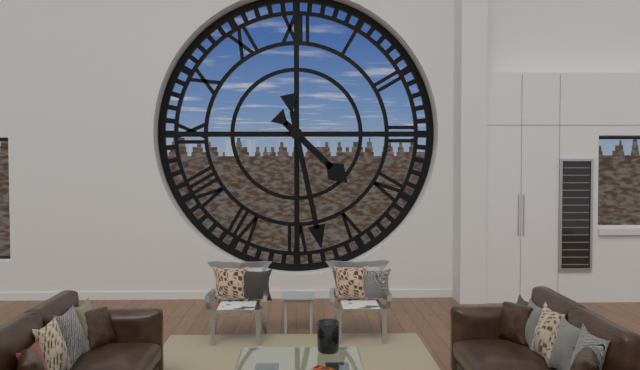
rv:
4.28
